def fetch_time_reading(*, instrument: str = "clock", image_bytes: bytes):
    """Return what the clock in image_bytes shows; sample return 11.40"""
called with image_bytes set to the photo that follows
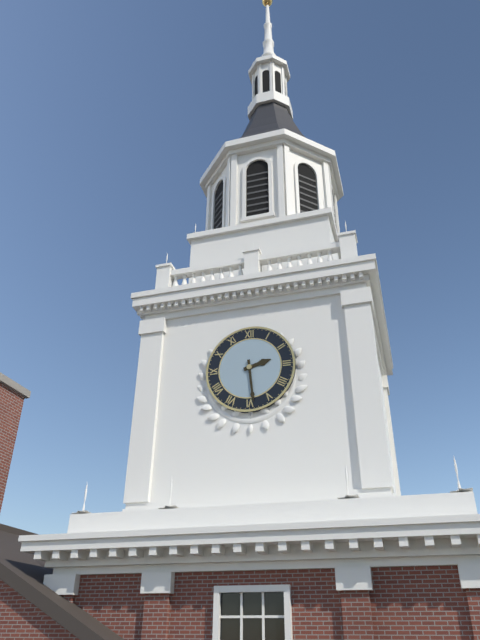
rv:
2.29
